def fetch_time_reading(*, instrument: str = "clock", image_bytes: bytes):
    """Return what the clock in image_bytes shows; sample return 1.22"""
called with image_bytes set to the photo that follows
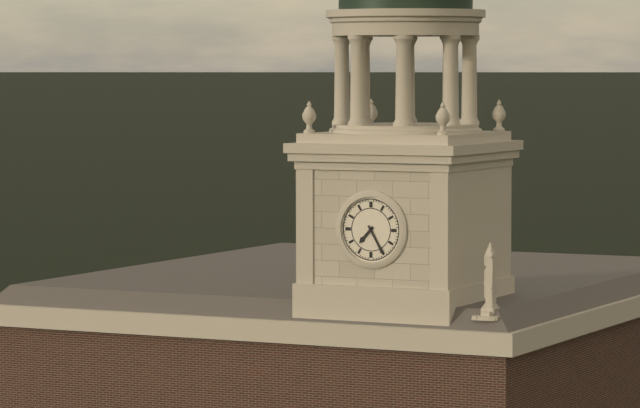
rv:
7.25
